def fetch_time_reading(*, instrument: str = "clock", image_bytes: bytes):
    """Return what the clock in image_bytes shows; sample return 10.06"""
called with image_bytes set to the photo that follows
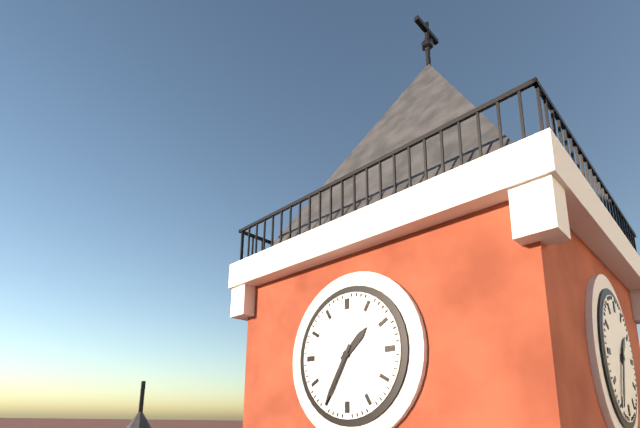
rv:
1.35
